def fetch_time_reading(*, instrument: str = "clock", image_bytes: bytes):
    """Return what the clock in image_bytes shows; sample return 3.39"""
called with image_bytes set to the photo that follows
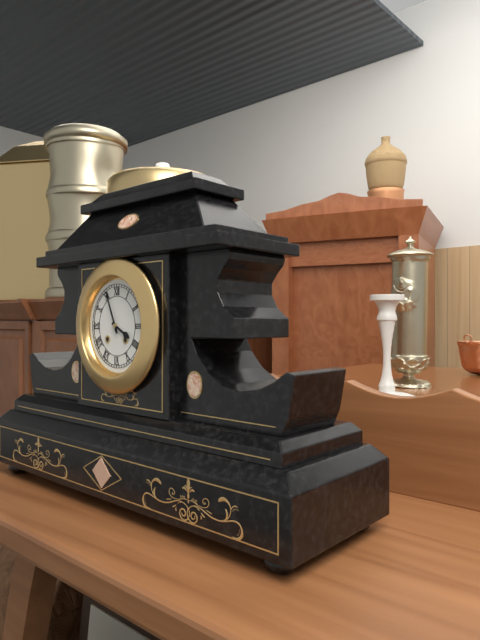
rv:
3.56
